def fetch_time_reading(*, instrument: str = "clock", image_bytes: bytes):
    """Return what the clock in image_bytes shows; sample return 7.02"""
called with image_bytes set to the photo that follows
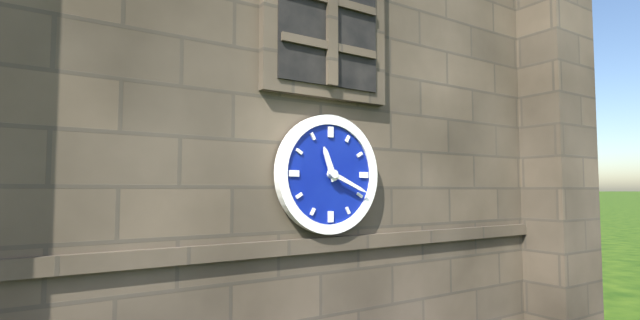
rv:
11.19
